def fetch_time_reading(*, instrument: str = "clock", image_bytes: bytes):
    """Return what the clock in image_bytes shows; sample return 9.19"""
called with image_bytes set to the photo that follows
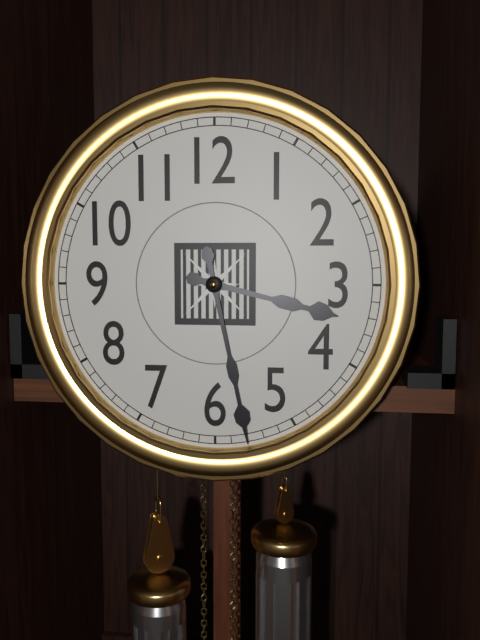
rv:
3.28
